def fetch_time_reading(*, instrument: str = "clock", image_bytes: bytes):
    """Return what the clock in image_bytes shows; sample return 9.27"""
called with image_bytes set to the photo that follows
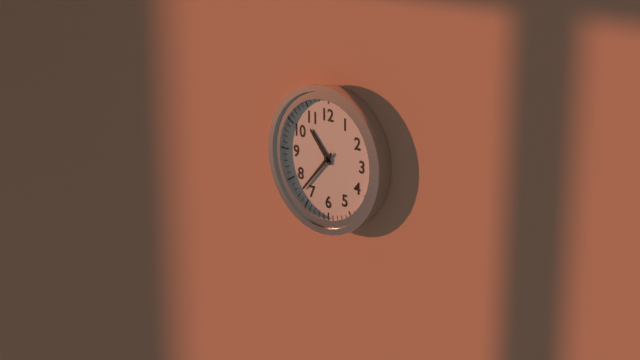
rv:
10.37
